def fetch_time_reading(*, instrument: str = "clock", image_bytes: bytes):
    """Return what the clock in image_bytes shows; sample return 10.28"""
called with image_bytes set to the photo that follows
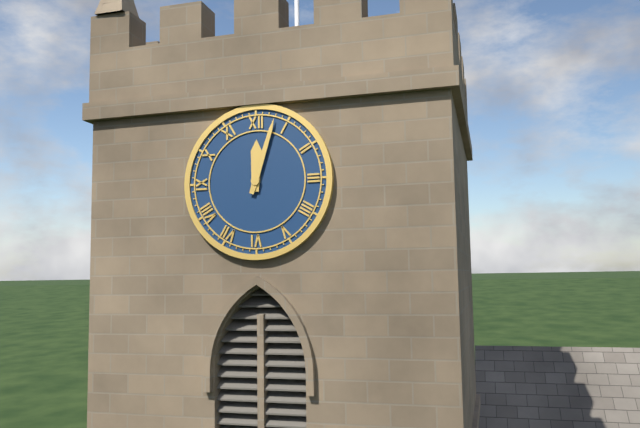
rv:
12.03
